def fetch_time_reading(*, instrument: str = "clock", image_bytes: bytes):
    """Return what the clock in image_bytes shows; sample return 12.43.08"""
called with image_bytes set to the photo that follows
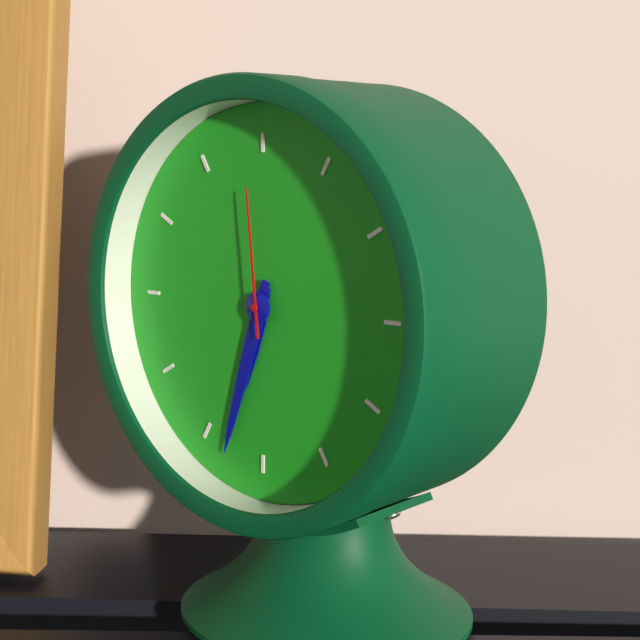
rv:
6.33.59
